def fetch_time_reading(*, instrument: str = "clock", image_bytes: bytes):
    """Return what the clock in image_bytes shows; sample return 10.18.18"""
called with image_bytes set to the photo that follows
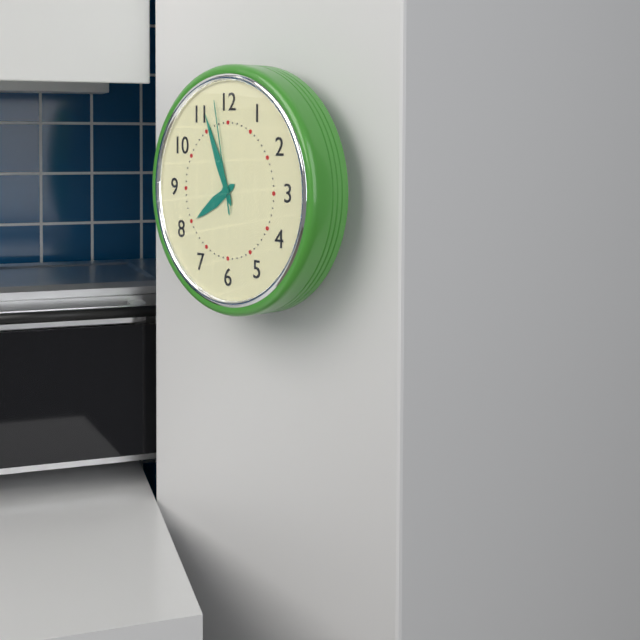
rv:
7.56.58
